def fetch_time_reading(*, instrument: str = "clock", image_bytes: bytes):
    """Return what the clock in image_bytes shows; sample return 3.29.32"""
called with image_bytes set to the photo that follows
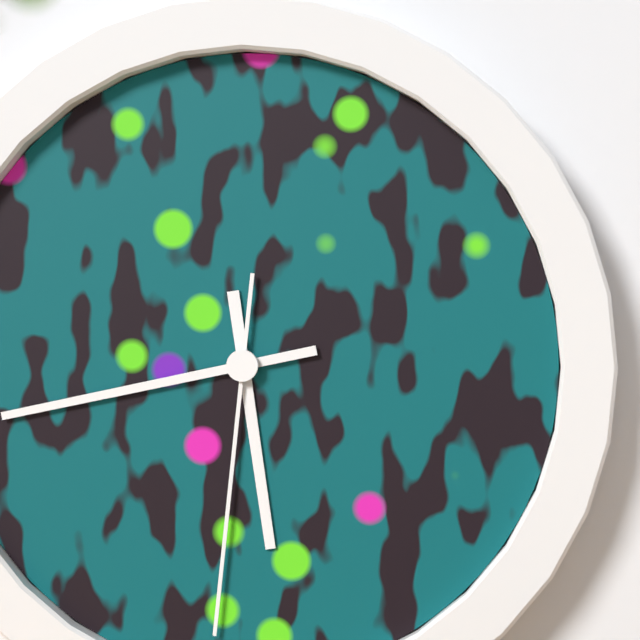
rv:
5.43.31
